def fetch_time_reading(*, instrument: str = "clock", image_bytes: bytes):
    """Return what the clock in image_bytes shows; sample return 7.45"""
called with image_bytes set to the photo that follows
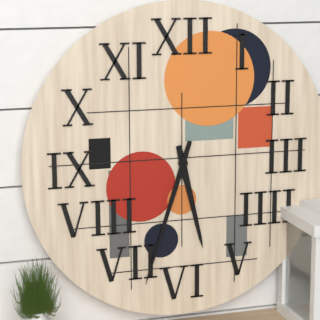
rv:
5.33
